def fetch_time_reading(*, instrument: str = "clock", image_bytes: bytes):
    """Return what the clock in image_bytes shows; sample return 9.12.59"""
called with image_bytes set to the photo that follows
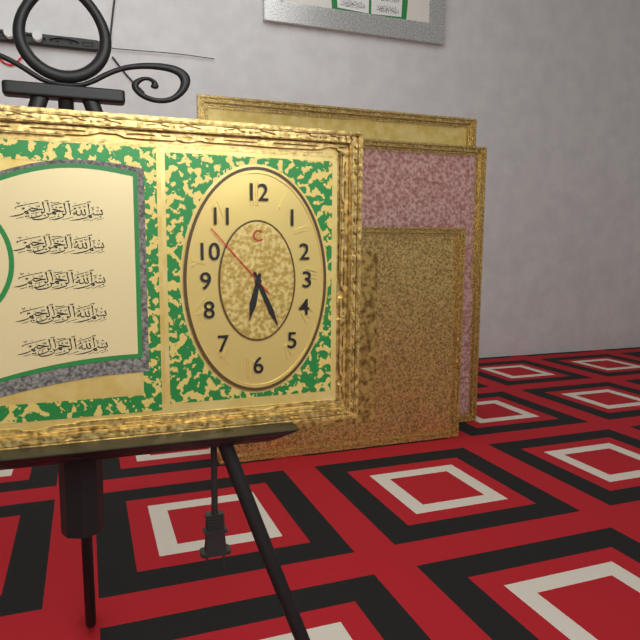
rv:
6.26.53
